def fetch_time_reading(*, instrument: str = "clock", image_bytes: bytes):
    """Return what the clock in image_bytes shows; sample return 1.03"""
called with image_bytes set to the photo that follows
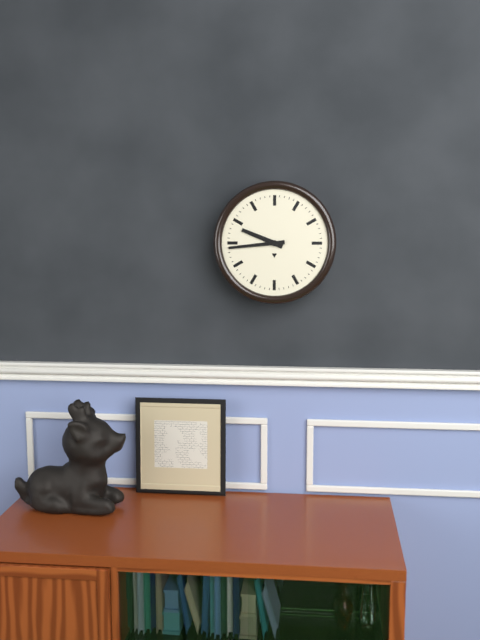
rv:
9.44
